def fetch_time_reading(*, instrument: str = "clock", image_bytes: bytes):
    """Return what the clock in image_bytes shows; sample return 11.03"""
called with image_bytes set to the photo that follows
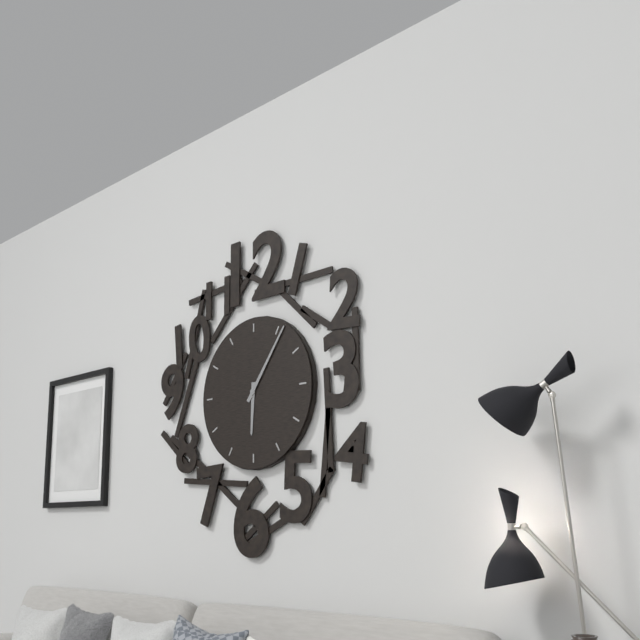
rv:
6.06
